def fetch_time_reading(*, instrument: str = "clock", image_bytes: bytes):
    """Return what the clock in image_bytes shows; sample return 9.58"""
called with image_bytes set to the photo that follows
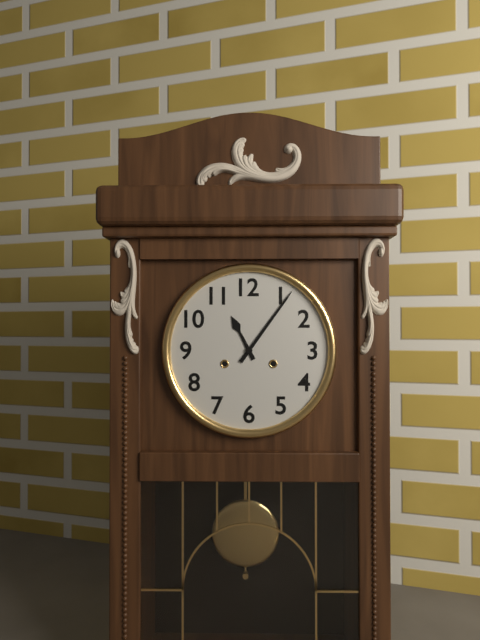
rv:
11.06
